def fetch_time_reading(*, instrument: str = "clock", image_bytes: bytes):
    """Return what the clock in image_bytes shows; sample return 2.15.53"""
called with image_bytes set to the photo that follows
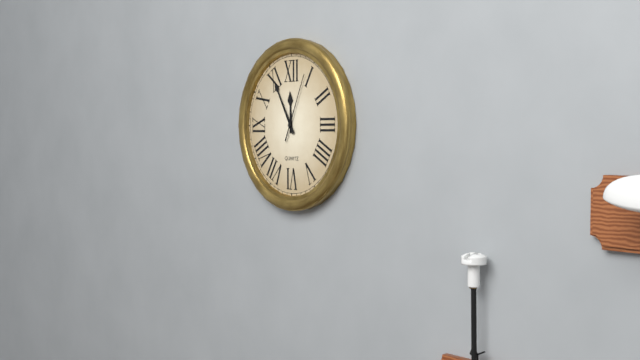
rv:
11.55.04
